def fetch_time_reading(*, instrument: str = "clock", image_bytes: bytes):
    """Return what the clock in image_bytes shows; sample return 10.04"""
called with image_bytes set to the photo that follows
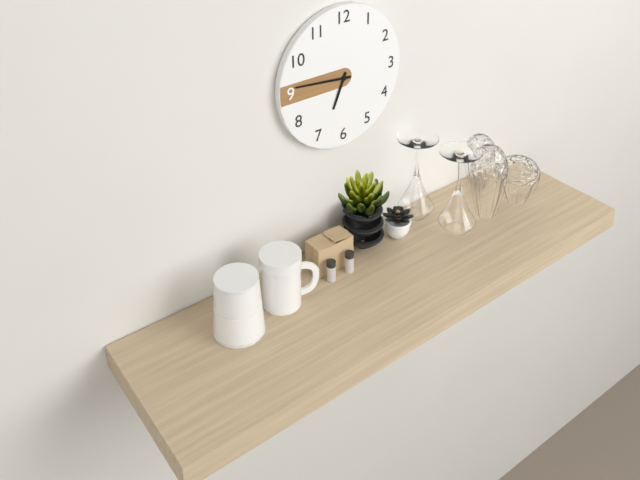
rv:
6.46
